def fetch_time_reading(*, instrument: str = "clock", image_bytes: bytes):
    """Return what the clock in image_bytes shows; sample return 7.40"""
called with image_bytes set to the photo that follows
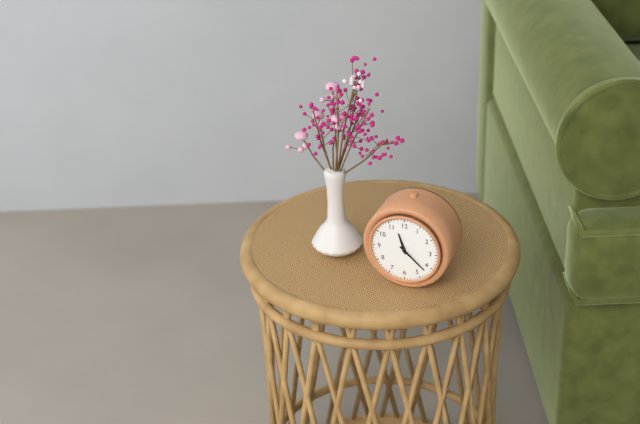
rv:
11.22
